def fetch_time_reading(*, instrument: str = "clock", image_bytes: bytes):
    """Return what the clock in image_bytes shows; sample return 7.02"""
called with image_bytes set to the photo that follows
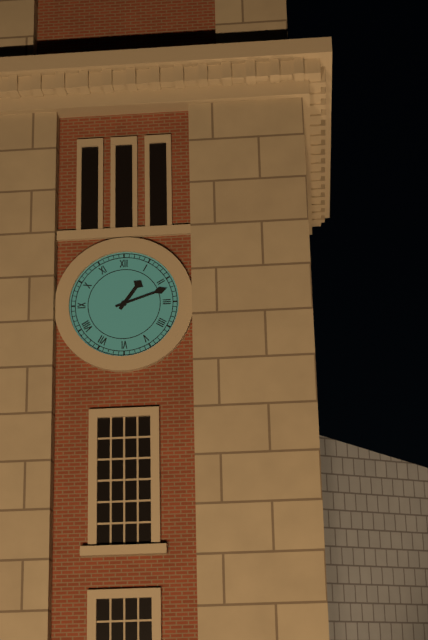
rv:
1.12
